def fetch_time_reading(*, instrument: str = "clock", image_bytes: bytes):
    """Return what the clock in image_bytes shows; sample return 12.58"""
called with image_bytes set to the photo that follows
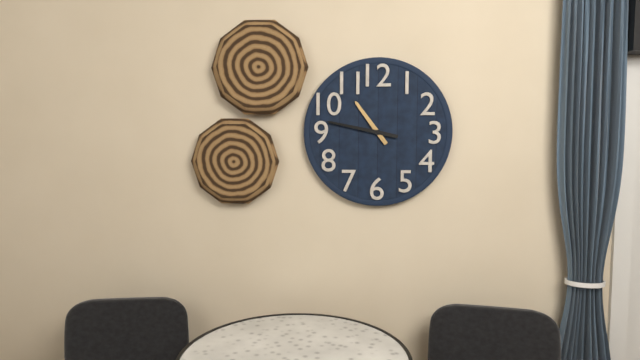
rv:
10.47
